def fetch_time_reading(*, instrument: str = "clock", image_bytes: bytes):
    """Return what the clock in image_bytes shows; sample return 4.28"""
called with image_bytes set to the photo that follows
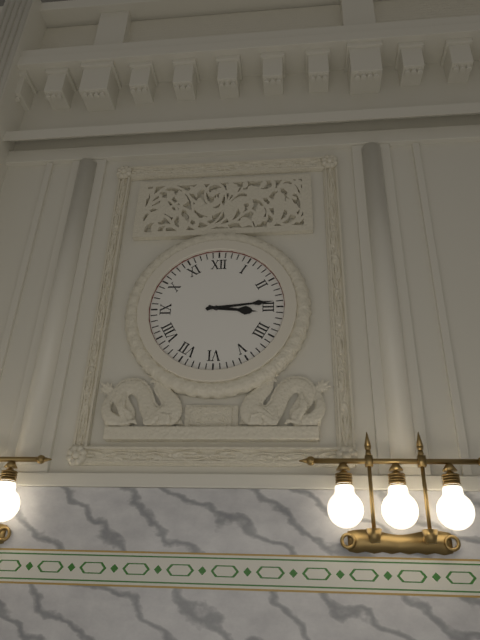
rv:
3.14
